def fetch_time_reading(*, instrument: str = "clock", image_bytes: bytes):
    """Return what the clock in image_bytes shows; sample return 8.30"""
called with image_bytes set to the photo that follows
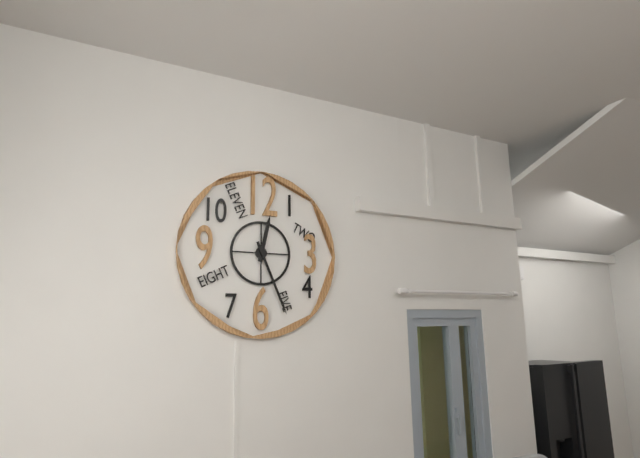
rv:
12.26
